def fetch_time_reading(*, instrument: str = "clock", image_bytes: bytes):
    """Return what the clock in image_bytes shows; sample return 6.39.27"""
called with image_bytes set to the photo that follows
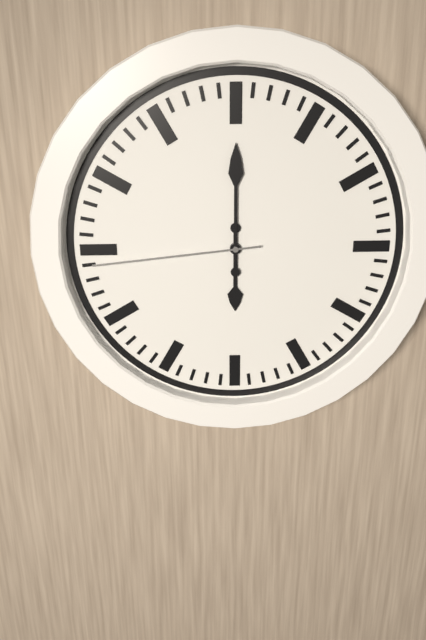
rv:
6.00.44
